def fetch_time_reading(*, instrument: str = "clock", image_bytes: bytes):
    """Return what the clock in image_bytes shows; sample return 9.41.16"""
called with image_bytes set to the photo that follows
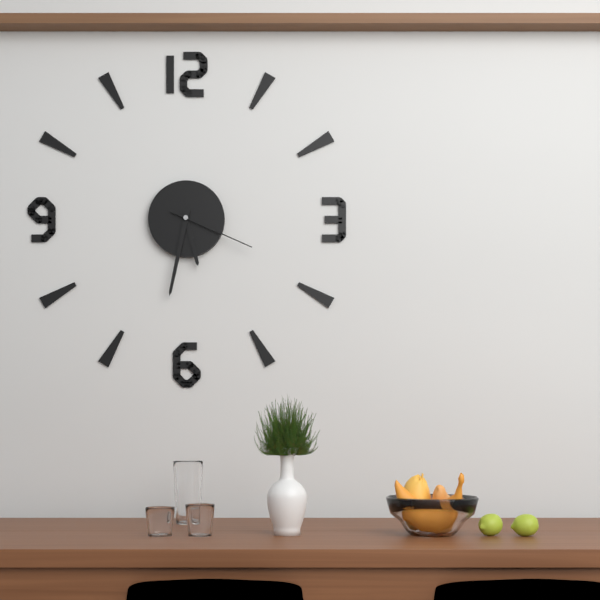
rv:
5.32.19
